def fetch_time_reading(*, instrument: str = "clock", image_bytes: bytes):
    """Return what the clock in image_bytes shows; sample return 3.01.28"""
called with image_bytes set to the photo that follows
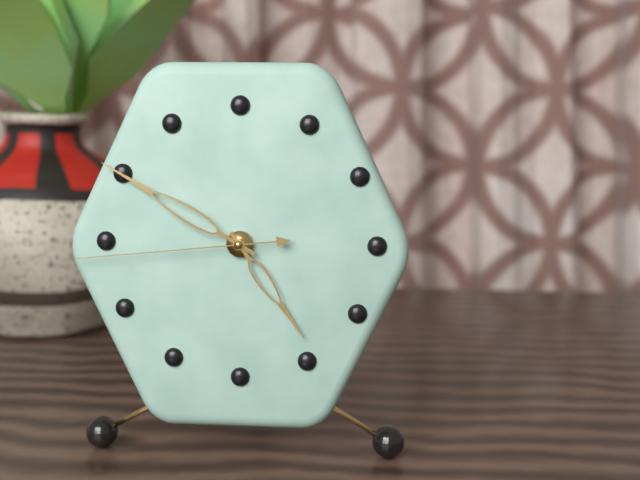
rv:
4.50.44
